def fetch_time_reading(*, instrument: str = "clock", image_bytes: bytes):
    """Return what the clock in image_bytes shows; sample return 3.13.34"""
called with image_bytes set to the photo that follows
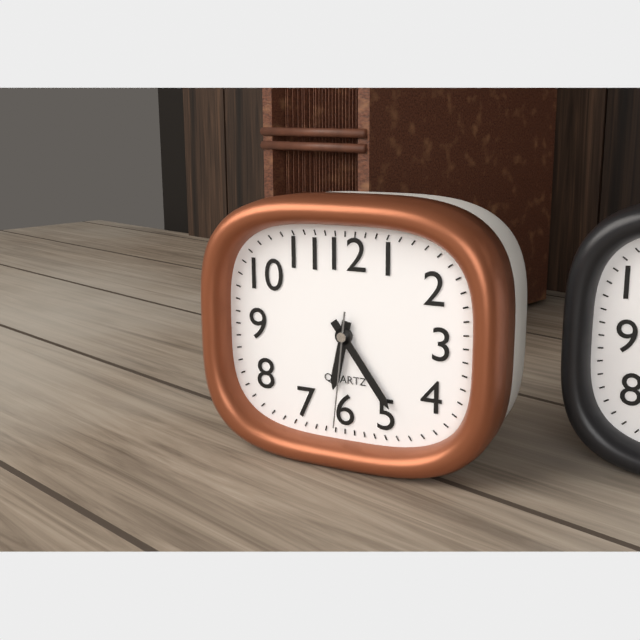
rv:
6.24.31
